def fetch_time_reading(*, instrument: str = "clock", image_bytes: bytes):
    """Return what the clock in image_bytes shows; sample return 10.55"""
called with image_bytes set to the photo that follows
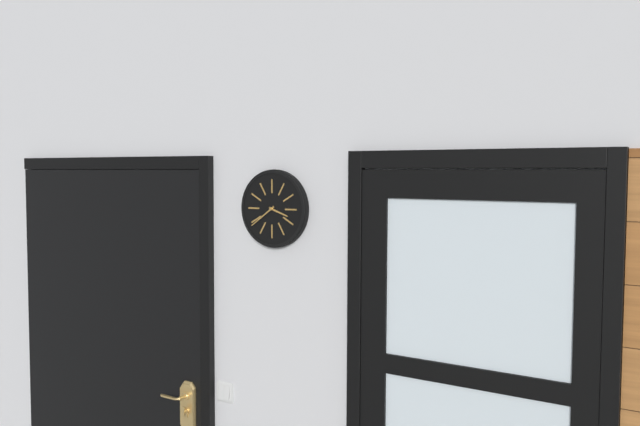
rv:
3.39
